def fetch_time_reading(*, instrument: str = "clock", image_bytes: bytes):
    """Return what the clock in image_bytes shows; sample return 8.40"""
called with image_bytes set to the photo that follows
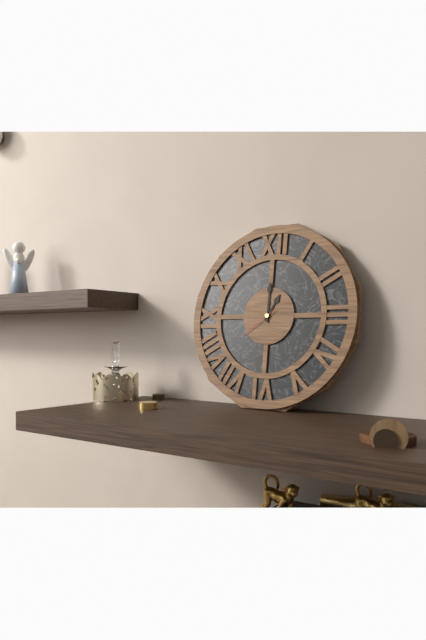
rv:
1.00
